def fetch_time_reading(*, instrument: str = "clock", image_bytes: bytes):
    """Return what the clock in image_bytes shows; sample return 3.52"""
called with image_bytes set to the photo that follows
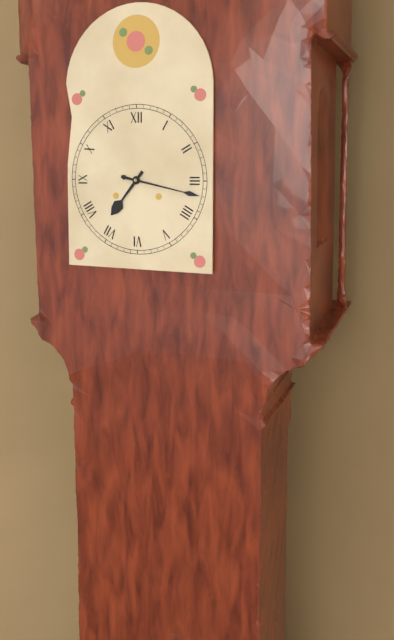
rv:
7.17
